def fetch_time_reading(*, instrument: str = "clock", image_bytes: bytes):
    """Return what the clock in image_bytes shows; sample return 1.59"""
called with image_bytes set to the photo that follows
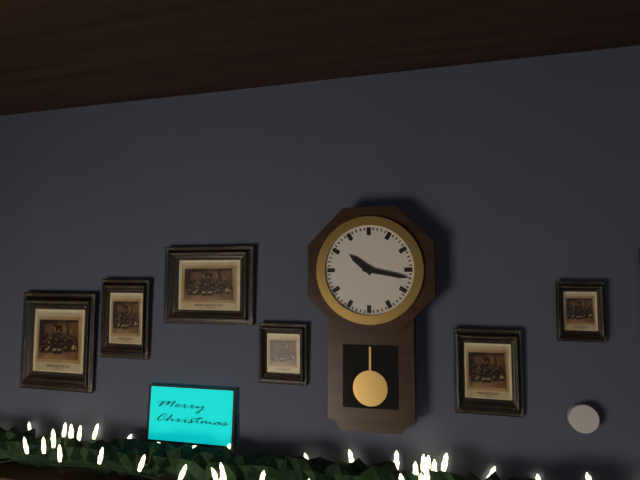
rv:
10.17
